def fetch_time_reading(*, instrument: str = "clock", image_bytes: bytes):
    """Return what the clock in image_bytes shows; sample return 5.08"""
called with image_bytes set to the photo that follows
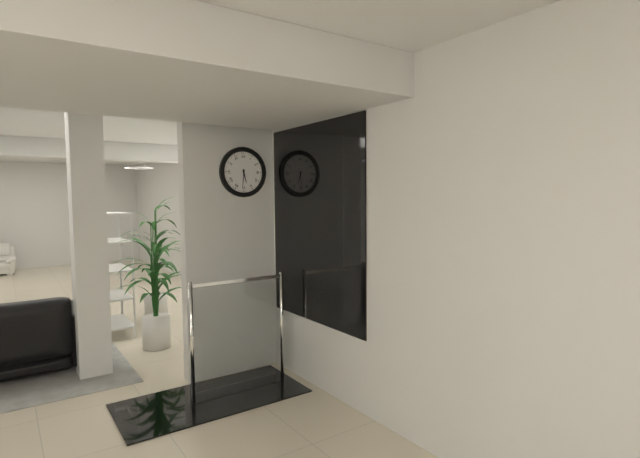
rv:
5.31
